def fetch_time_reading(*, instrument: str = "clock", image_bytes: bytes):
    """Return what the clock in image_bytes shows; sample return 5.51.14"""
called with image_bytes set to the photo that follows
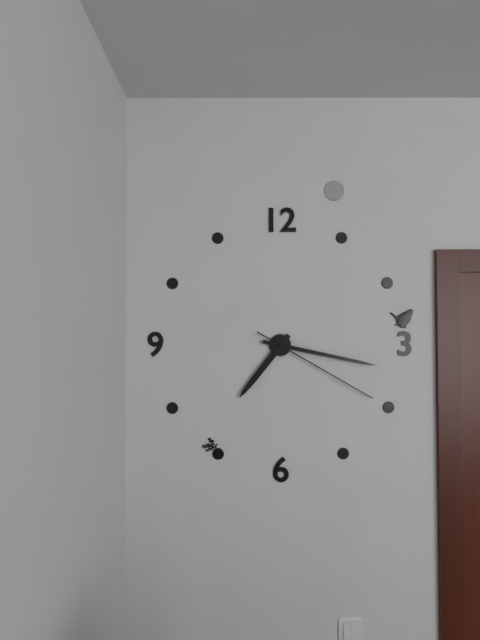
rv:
7.17.20
